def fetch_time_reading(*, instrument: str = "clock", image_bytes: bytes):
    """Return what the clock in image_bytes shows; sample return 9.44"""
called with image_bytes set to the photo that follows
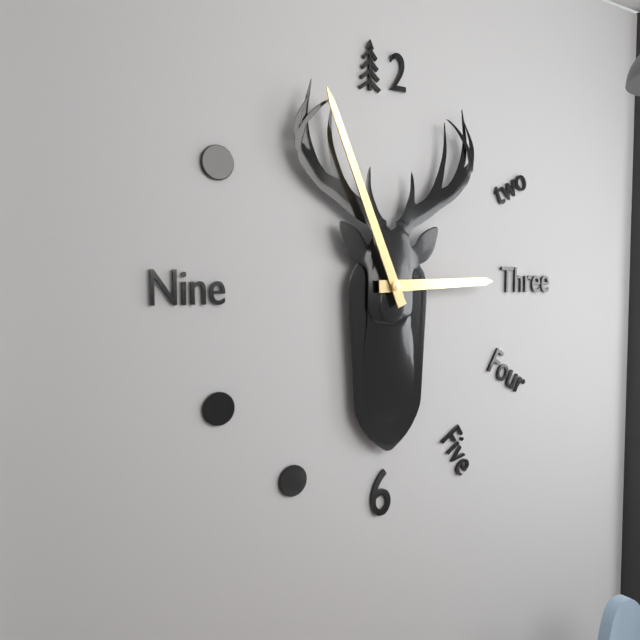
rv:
2.56
